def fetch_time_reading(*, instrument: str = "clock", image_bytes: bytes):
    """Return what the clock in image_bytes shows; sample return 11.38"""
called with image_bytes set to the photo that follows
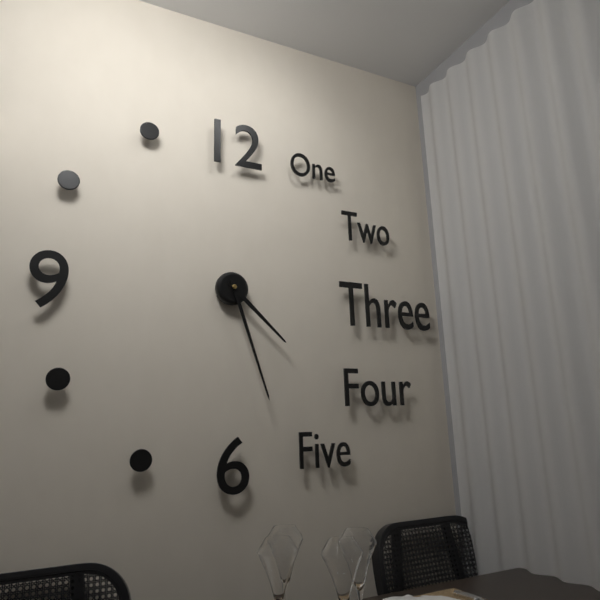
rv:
4.27
